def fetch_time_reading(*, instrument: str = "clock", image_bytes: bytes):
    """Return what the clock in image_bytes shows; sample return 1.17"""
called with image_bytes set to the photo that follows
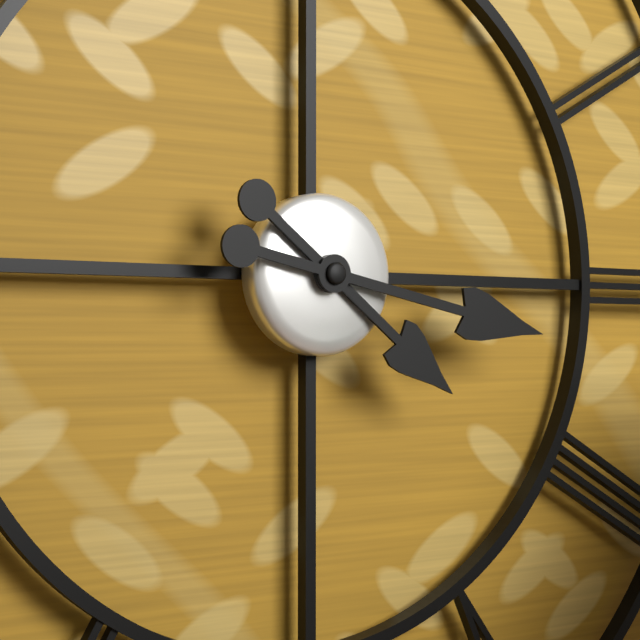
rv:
4.17
